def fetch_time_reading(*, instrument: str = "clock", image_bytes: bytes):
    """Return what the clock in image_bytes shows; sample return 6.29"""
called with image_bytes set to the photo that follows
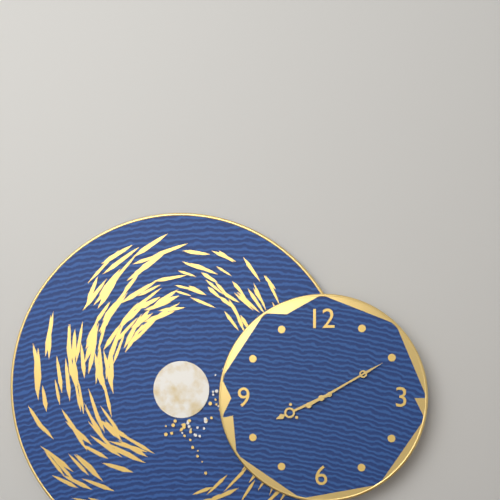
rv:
8.10
